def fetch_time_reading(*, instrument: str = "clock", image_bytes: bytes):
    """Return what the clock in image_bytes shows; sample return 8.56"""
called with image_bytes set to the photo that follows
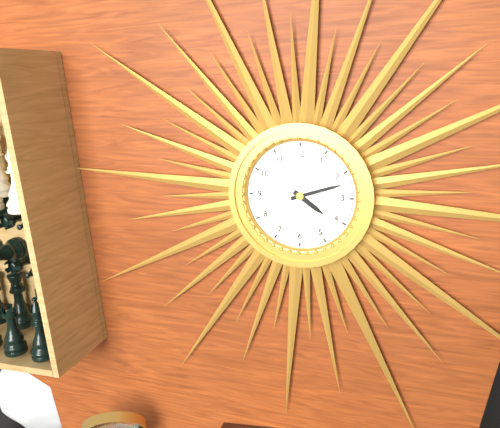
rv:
4.12
